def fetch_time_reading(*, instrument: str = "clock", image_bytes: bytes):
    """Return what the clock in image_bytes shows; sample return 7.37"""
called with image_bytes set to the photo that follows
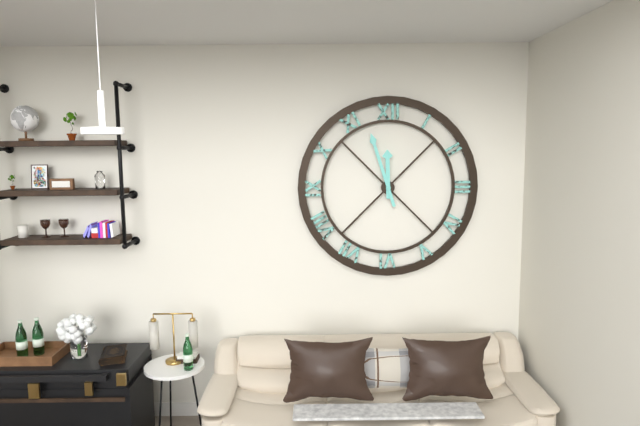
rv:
11.57
